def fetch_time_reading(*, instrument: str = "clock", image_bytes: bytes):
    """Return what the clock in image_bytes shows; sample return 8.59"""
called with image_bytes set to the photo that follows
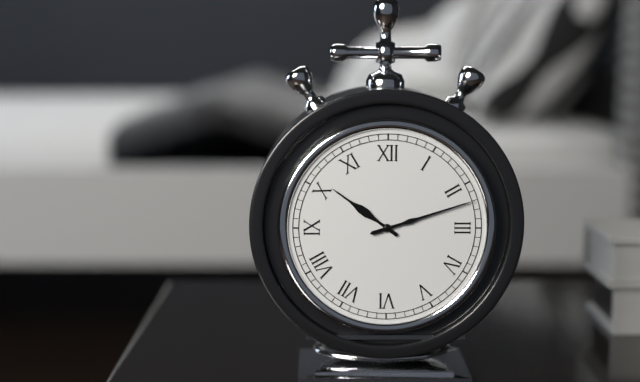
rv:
10.12
